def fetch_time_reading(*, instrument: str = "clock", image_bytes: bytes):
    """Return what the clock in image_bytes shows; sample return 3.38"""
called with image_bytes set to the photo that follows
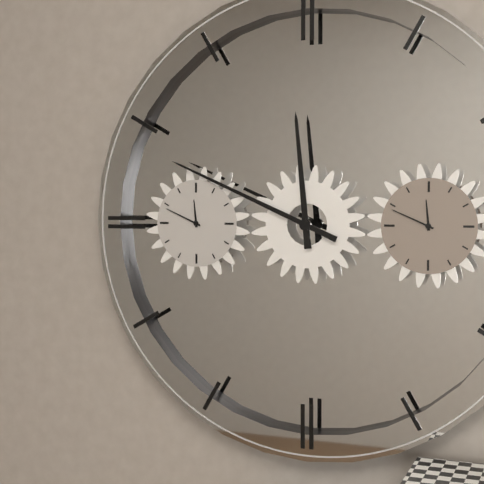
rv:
11.49
